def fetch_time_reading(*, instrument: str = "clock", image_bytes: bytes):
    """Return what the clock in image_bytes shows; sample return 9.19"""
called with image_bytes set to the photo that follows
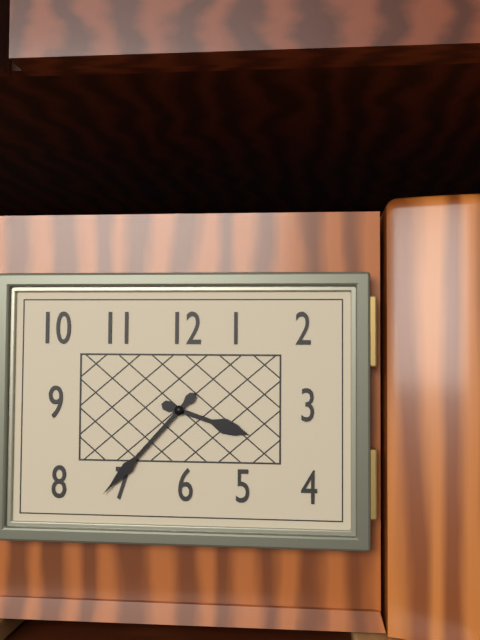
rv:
3.37
